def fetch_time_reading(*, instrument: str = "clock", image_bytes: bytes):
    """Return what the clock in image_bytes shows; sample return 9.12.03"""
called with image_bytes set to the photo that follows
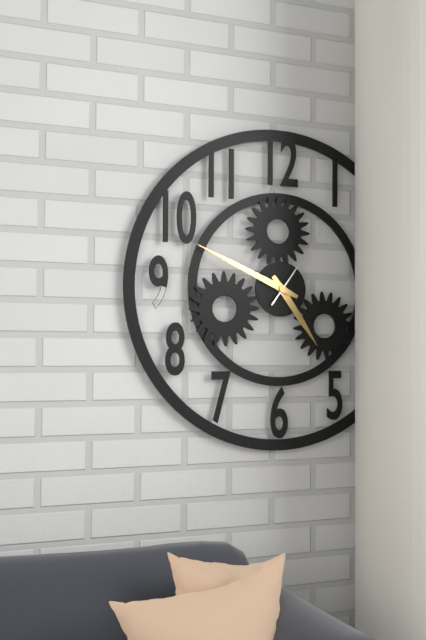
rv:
4.49.06
